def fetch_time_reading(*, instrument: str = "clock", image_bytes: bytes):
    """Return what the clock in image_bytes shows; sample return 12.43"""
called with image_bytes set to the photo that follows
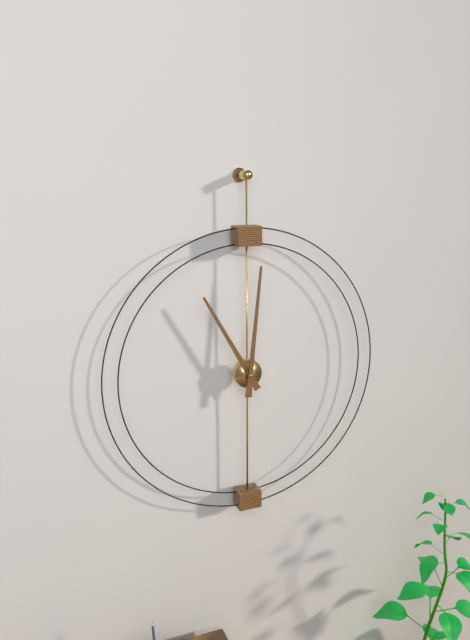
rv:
11.01
